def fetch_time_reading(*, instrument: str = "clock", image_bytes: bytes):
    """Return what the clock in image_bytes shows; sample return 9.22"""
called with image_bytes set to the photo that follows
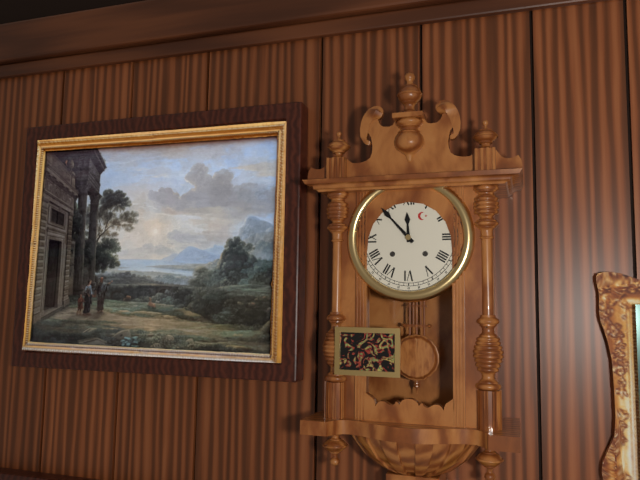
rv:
11.53
